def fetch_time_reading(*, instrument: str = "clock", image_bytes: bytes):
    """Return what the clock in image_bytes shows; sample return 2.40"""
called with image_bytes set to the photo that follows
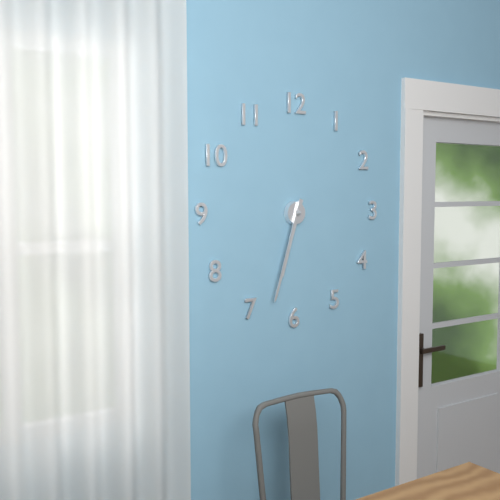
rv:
6.33
